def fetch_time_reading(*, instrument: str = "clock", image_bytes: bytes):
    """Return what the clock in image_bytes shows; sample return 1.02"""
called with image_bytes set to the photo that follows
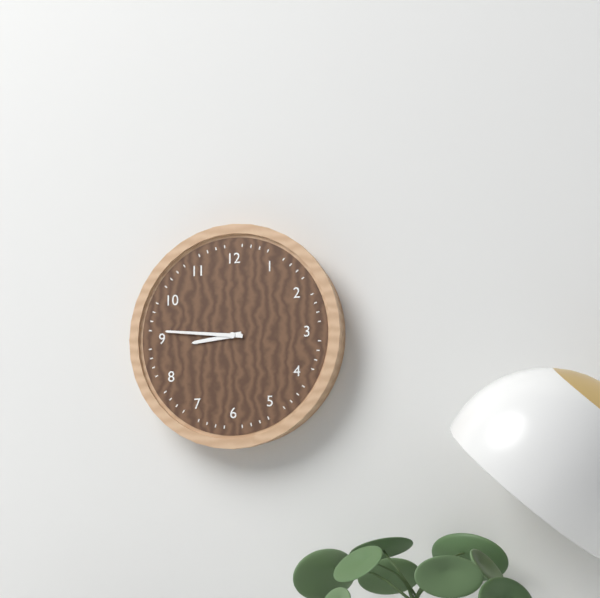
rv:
8.46
